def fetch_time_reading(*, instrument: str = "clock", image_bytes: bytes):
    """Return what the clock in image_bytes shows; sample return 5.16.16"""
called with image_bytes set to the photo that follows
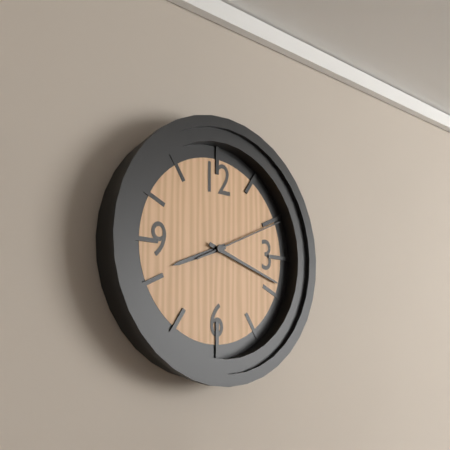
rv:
8.18.11
